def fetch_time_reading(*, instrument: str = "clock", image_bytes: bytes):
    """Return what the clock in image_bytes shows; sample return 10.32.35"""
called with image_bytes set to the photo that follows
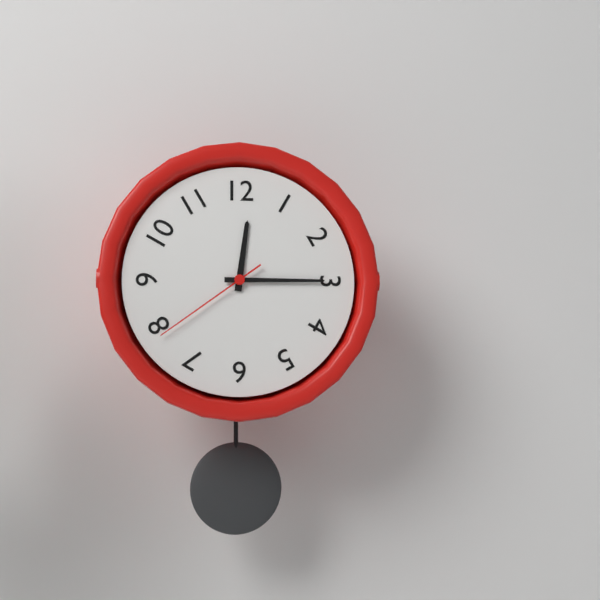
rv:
12.15.39
